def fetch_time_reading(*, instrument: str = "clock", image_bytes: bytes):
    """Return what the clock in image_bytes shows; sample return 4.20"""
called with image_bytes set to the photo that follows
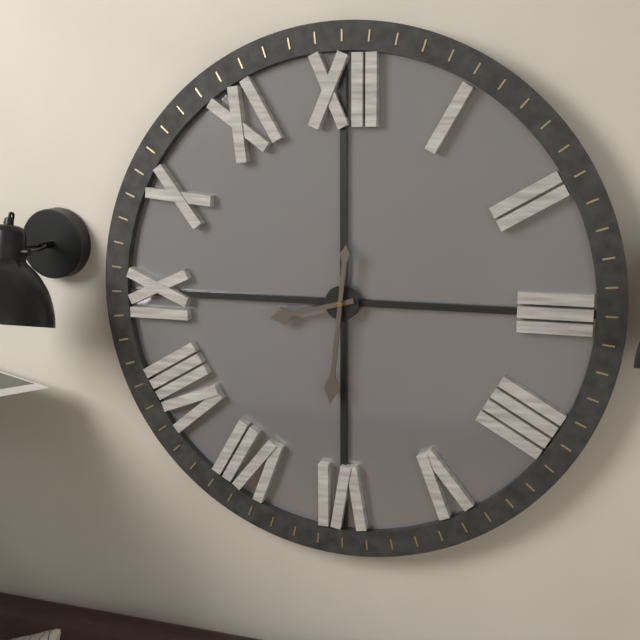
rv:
8.31
